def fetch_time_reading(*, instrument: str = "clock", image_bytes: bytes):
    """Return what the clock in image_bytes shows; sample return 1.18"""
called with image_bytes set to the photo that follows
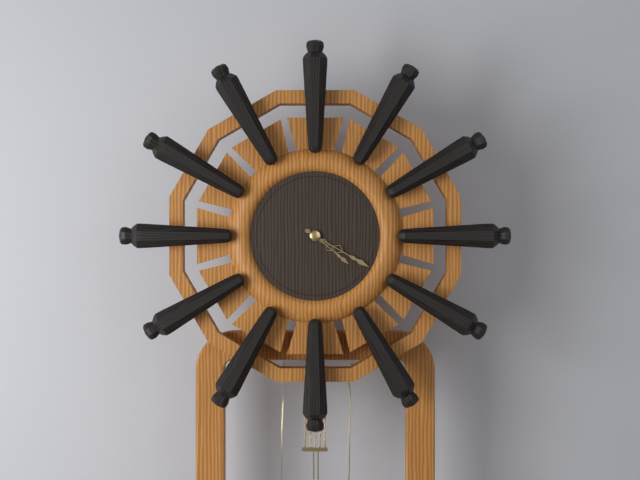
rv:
4.20
